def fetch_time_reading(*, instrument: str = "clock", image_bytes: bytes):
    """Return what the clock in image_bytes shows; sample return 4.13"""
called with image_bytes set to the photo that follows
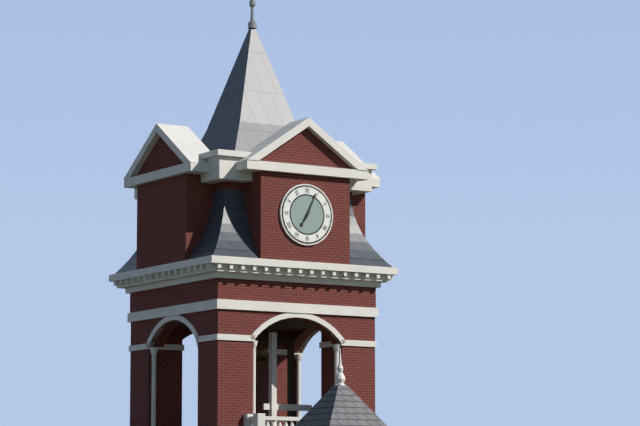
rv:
7.04
